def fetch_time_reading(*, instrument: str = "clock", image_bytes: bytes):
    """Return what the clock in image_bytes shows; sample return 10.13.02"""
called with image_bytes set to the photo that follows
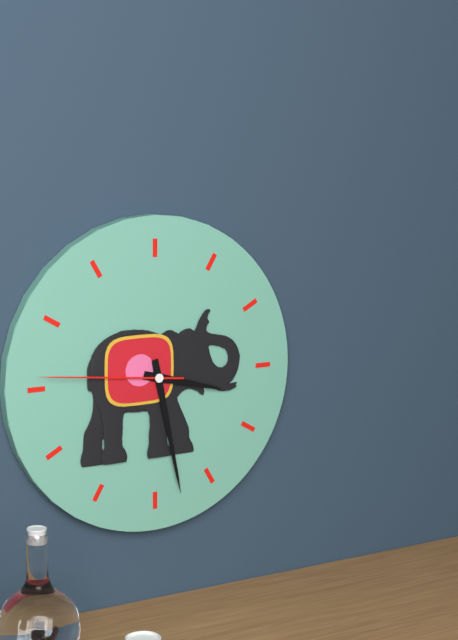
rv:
3.28.46
